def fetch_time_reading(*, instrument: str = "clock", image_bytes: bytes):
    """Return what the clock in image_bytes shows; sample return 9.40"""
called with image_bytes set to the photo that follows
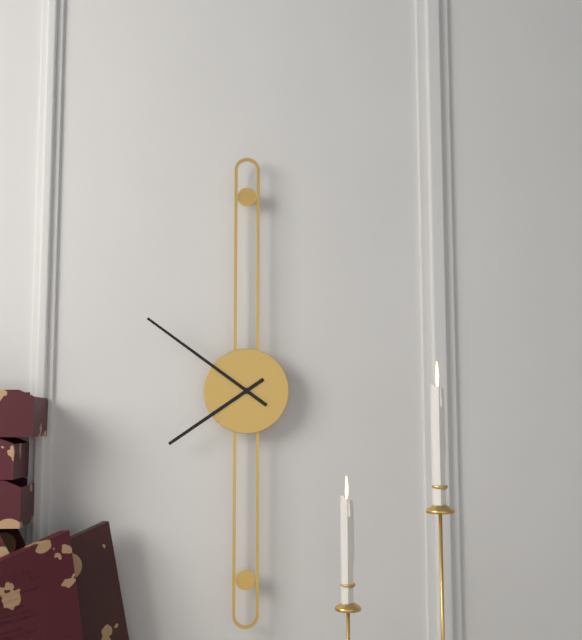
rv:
7.51
